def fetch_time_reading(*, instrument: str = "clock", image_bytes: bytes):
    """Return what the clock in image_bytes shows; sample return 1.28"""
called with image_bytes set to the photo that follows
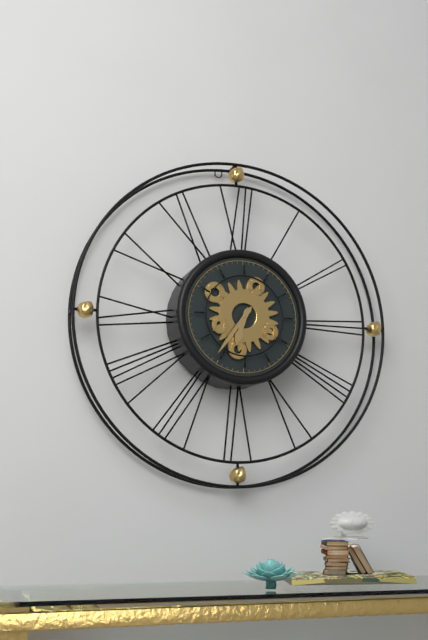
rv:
6.36
